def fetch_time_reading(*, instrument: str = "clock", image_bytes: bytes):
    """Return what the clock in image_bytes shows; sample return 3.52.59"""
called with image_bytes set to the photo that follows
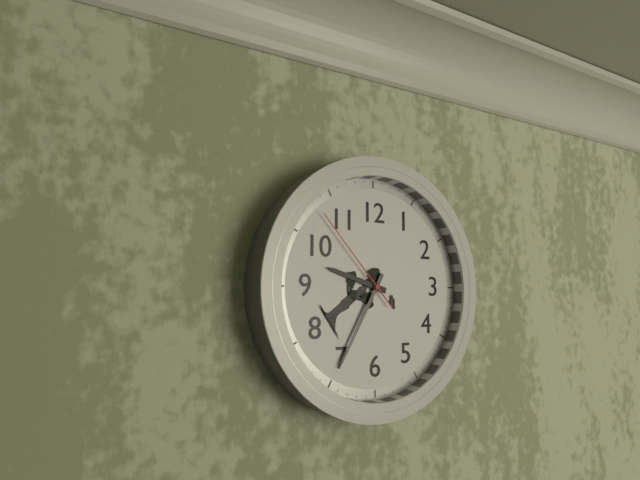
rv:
9.35.53
